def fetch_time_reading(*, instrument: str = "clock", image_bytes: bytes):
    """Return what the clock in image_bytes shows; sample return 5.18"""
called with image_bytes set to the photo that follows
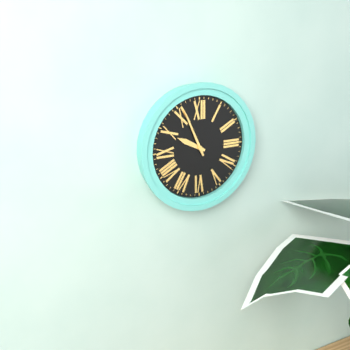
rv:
9.56
